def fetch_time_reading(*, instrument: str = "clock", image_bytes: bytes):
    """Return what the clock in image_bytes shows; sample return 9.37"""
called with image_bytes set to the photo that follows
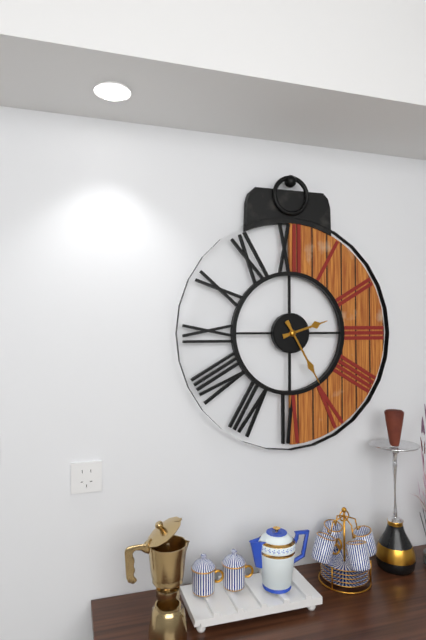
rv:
2.25
